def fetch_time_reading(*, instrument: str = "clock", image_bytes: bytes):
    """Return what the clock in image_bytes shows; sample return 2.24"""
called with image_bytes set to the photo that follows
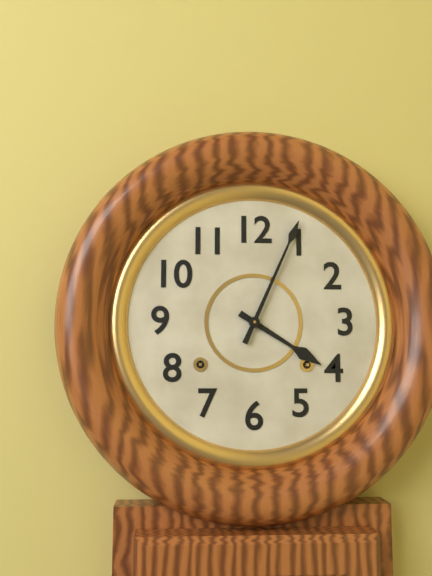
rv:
4.04
